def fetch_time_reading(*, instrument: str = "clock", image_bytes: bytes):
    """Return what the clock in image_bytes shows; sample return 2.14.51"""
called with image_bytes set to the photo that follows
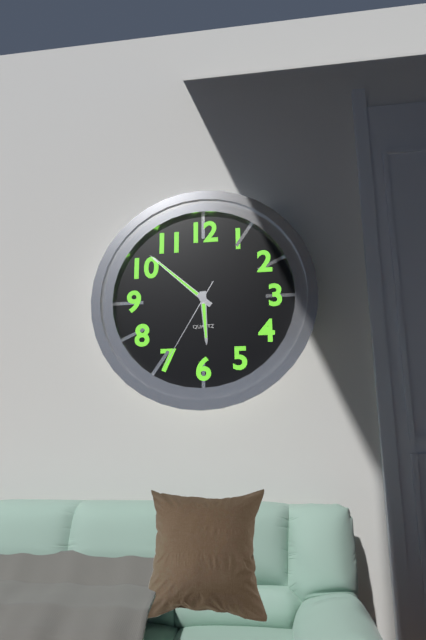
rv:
5.52.35
